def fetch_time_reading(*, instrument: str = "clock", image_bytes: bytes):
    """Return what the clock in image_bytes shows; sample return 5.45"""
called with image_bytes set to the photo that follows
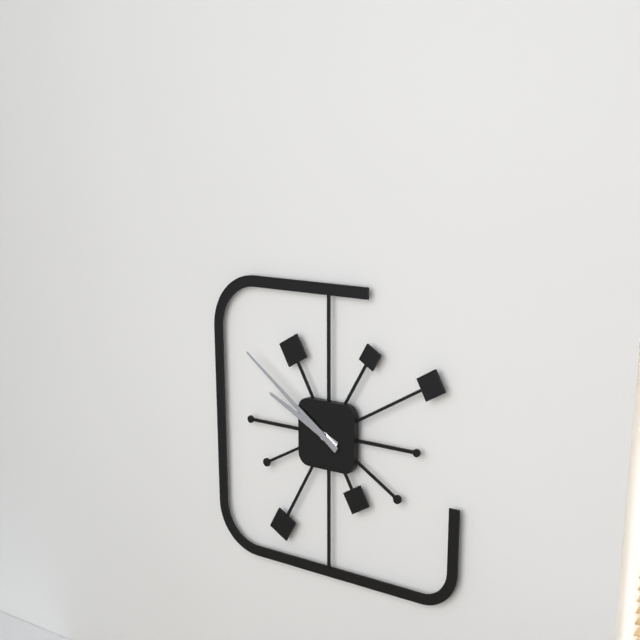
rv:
9.51
